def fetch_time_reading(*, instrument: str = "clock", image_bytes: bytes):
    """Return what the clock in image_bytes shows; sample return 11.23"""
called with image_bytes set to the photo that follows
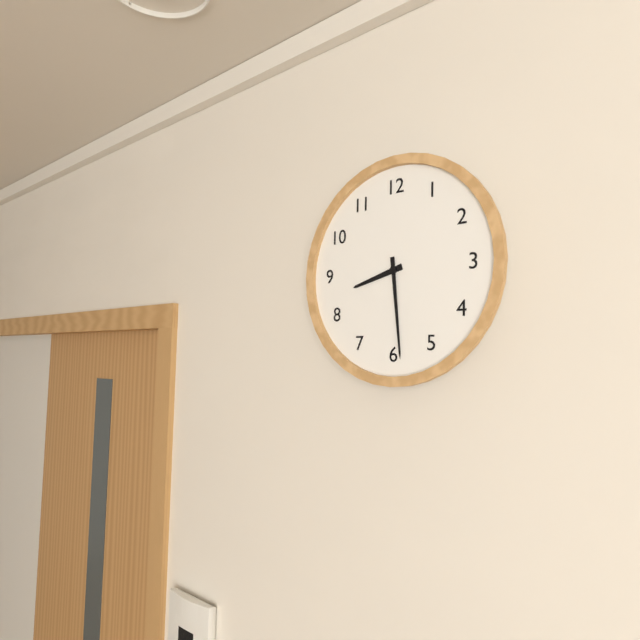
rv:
8.29
